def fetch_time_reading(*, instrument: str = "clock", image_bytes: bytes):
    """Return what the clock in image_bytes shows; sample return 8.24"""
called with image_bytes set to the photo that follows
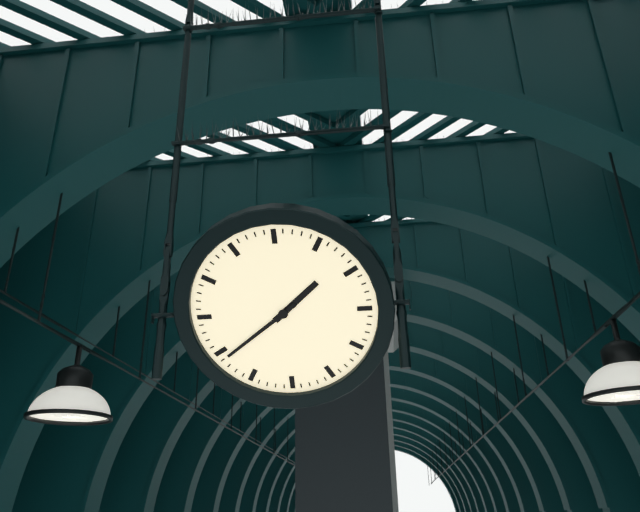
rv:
1.39
